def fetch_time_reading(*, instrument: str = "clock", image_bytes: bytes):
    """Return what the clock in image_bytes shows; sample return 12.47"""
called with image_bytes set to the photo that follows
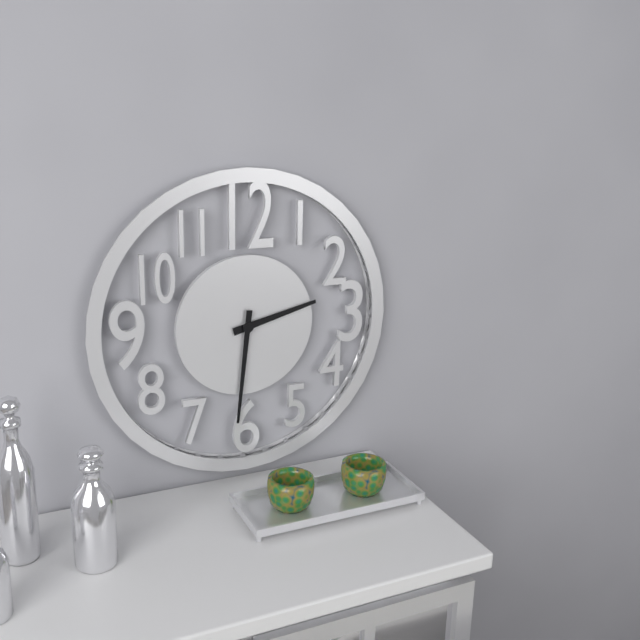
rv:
2.31
